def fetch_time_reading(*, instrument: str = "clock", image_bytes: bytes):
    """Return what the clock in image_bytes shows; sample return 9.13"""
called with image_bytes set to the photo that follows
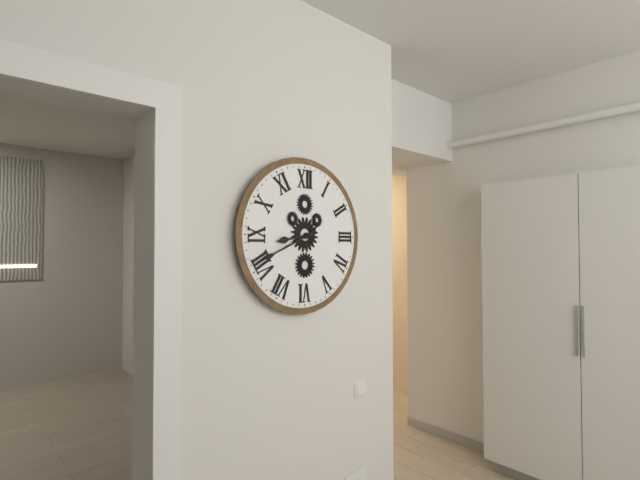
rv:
8.41
